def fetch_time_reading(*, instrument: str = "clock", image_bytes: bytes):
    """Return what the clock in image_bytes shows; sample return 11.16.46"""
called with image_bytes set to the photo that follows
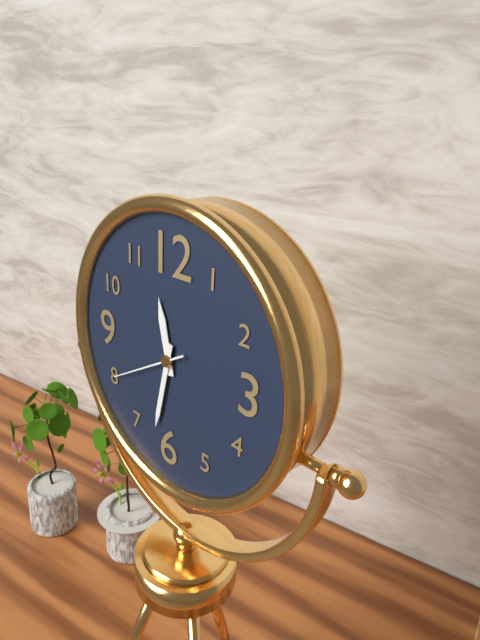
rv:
11.32.40
